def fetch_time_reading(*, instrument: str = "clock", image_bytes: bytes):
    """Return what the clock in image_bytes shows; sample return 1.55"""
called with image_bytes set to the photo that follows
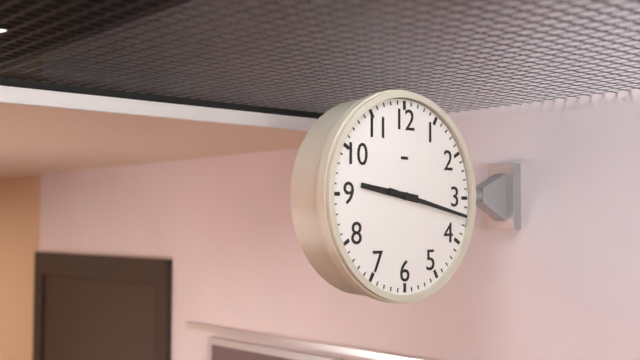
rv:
9.17
